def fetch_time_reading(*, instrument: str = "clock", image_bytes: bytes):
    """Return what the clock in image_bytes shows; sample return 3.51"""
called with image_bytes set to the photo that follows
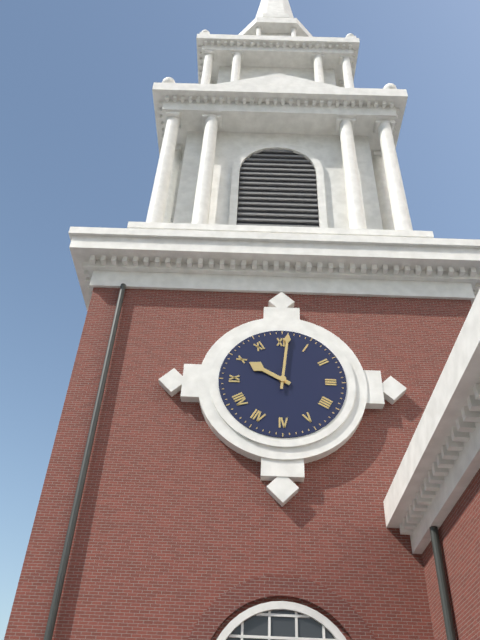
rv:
10.01
